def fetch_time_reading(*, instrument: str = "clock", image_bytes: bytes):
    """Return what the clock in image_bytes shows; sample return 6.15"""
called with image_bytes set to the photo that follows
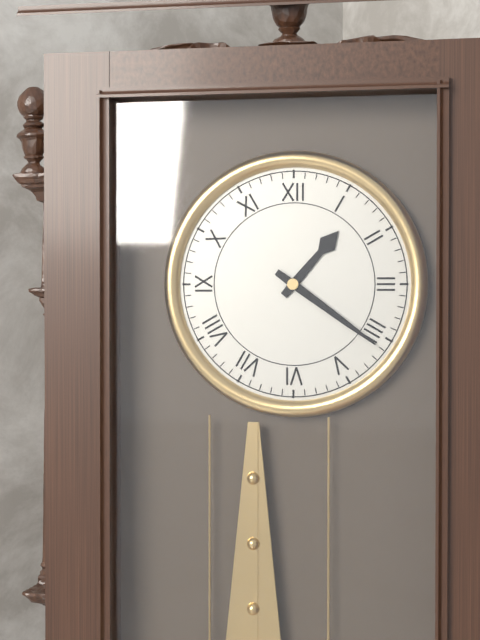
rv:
1.21
